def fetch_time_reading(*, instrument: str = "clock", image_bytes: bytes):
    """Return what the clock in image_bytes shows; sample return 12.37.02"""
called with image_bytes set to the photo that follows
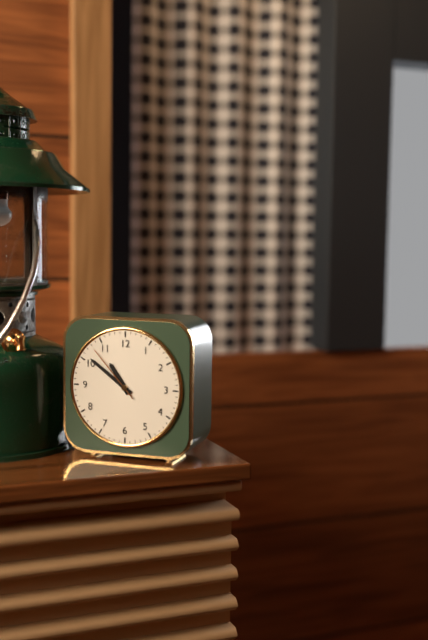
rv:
10.51.53
